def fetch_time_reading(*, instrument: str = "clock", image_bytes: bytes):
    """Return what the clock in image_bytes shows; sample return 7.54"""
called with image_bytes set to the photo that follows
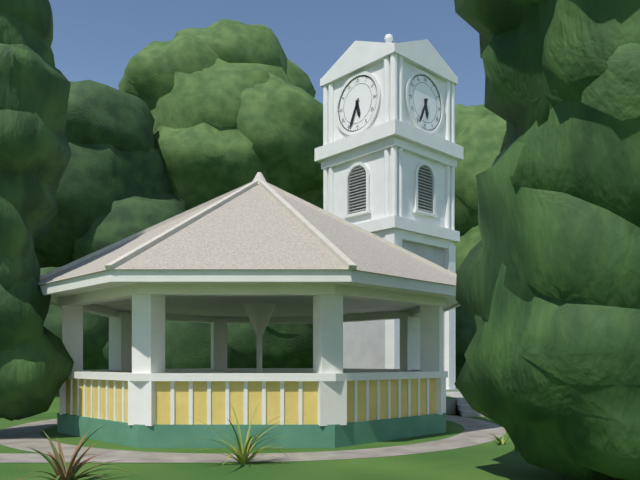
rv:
5.34
